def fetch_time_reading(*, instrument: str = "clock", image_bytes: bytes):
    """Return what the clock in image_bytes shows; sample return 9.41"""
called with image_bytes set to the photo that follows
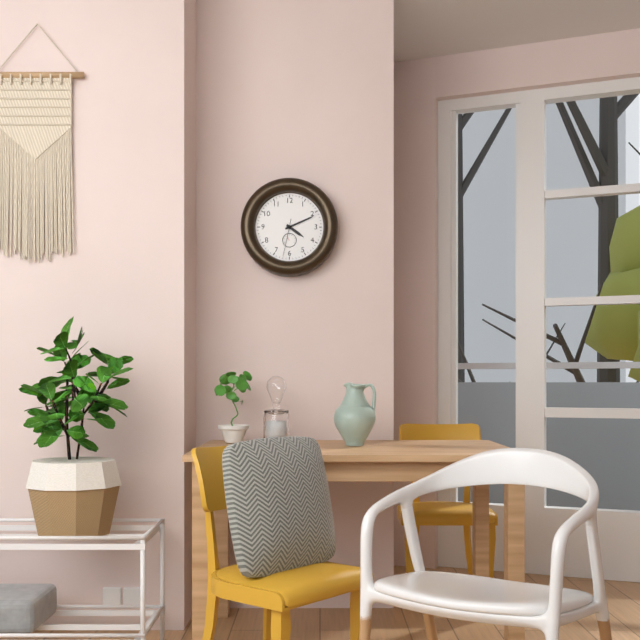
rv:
4.11
